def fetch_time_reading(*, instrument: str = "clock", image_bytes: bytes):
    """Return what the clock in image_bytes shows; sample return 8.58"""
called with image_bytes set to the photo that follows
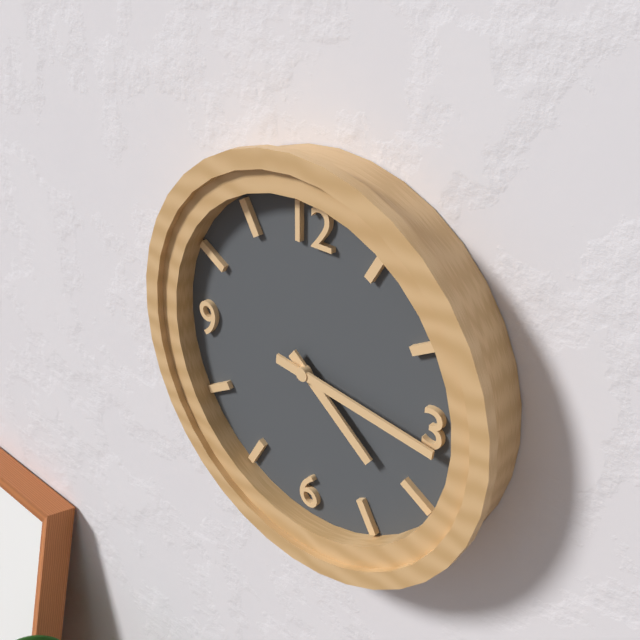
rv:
4.16
